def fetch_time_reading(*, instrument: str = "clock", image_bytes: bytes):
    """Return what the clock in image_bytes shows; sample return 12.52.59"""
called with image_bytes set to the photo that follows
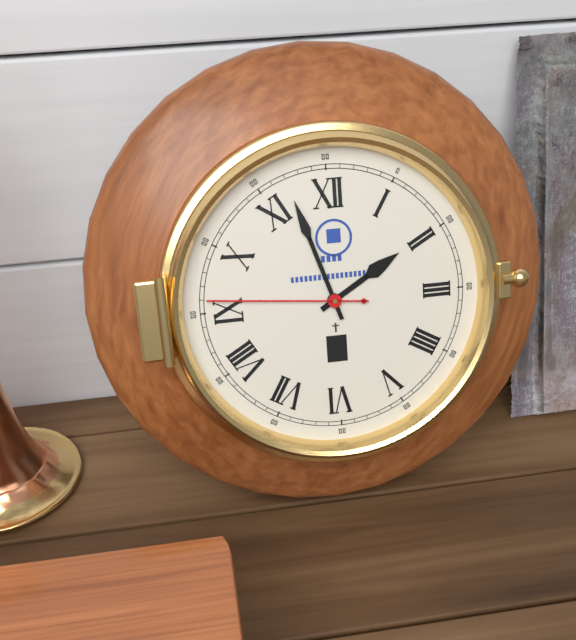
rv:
1.57.46
